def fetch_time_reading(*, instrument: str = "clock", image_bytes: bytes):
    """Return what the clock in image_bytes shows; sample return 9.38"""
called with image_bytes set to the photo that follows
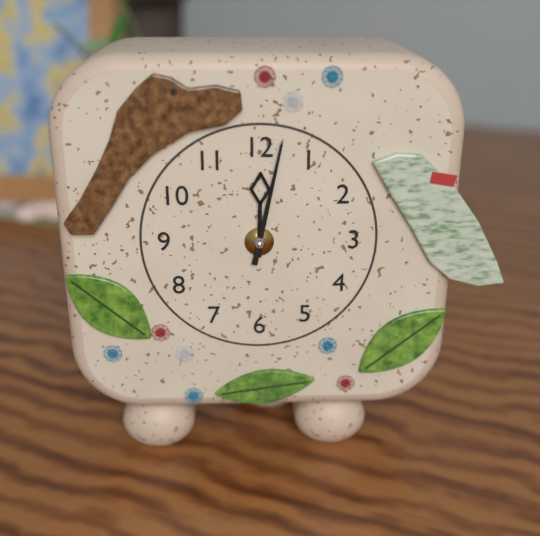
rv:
12.02
